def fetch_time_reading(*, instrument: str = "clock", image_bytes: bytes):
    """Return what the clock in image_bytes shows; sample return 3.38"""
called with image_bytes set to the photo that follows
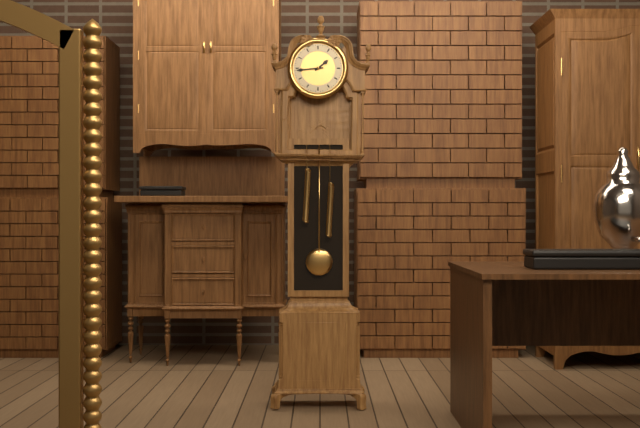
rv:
1.44
